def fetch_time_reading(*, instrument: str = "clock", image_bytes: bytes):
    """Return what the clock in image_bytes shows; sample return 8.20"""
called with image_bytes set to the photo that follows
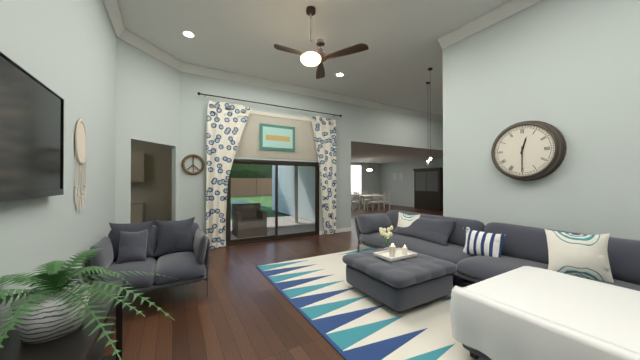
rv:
12.30
